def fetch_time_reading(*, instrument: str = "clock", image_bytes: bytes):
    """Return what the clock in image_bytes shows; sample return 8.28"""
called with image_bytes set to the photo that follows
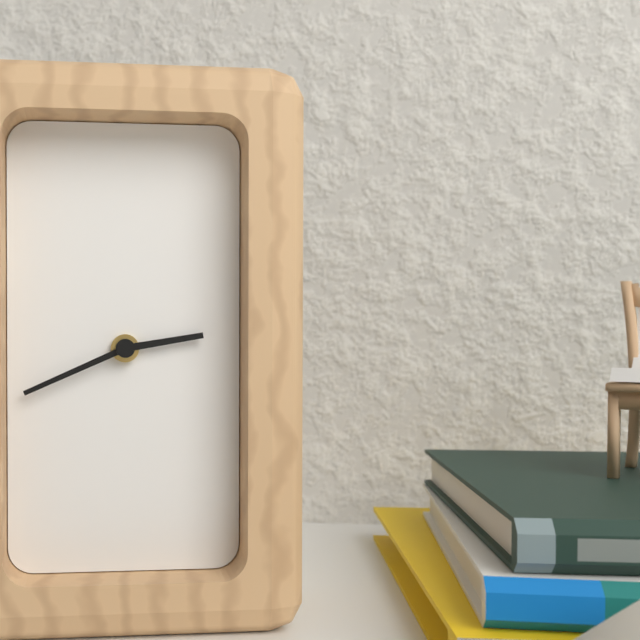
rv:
2.41
